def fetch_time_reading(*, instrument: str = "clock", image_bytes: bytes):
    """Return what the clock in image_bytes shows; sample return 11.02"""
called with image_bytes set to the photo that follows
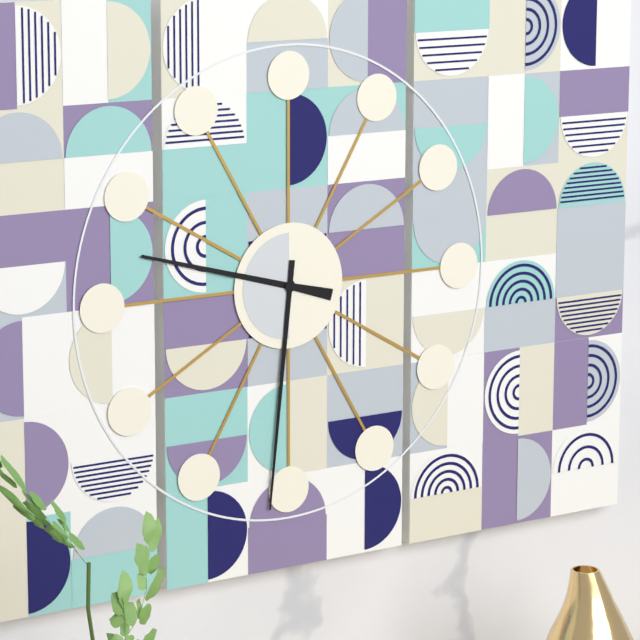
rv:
9.31
